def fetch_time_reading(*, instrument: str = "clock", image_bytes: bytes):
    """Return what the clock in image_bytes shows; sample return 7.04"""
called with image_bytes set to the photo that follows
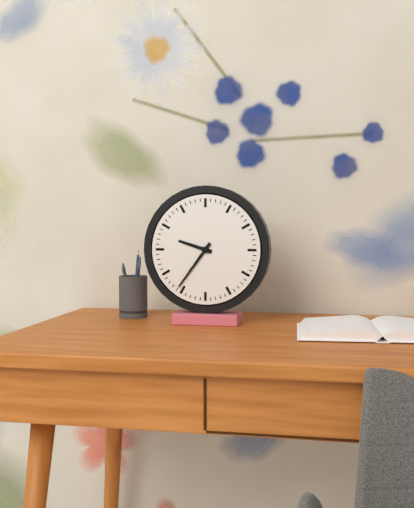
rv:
9.36
